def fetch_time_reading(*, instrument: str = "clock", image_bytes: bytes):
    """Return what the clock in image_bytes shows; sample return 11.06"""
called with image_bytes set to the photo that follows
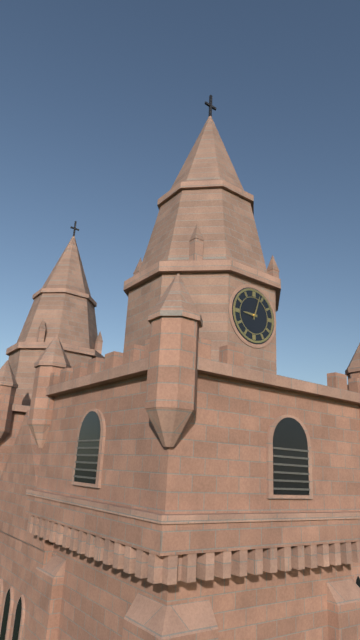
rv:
9.03
